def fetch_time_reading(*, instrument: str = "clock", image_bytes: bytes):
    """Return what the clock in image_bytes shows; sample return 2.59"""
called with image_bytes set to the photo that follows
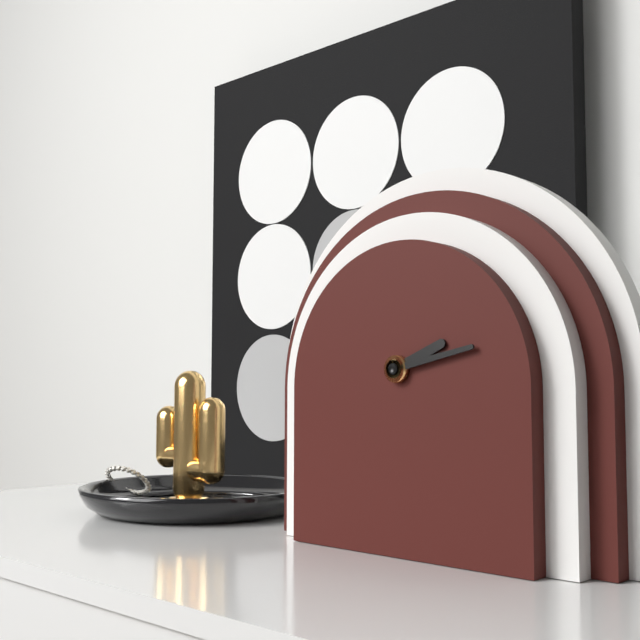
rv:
2.13
